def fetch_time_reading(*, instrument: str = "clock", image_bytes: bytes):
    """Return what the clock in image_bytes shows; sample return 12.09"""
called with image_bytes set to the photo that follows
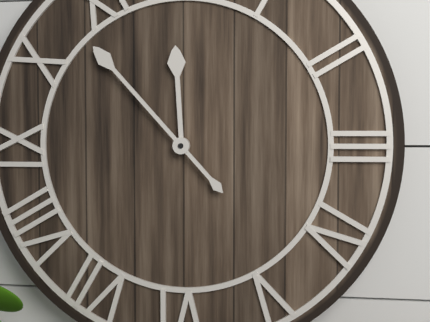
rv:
11.53
